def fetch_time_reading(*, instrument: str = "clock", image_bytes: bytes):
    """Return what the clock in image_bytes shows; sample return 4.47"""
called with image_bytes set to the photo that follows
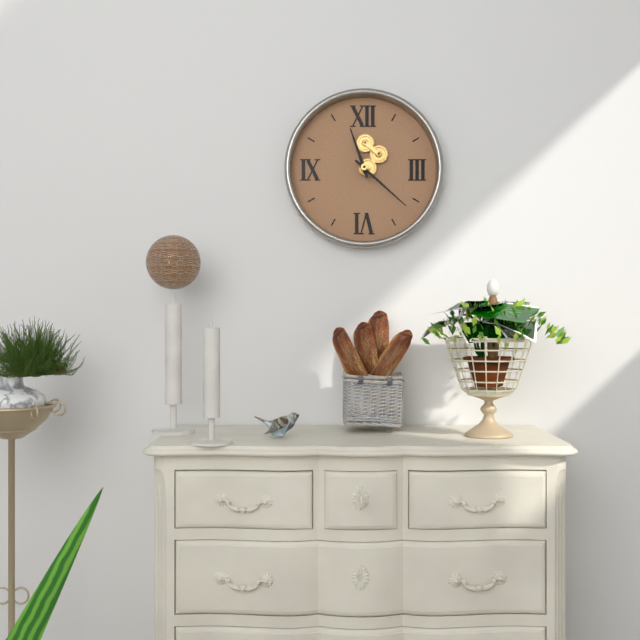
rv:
11.22
